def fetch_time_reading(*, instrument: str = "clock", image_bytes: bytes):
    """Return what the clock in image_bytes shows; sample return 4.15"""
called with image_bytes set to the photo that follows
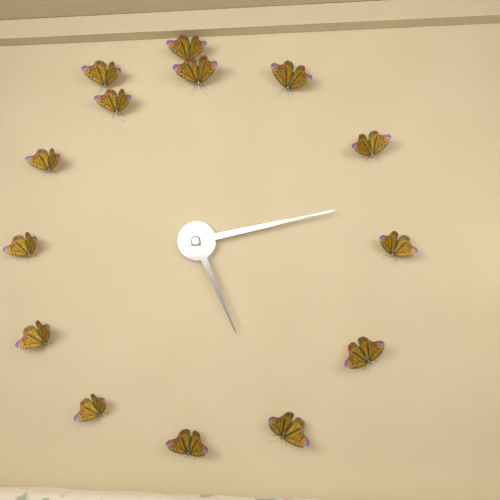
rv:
5.13
